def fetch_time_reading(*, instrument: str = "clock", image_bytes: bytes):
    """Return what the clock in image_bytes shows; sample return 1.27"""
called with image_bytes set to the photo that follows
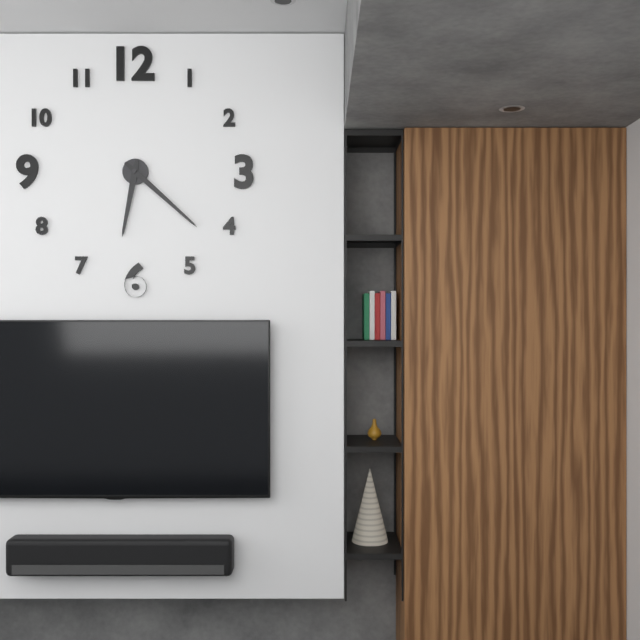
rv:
6.22
